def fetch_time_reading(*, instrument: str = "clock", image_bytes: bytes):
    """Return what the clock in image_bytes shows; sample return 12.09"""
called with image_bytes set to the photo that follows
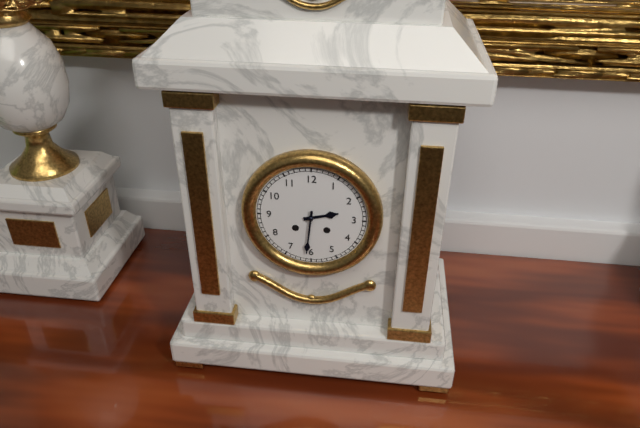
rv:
2.31
